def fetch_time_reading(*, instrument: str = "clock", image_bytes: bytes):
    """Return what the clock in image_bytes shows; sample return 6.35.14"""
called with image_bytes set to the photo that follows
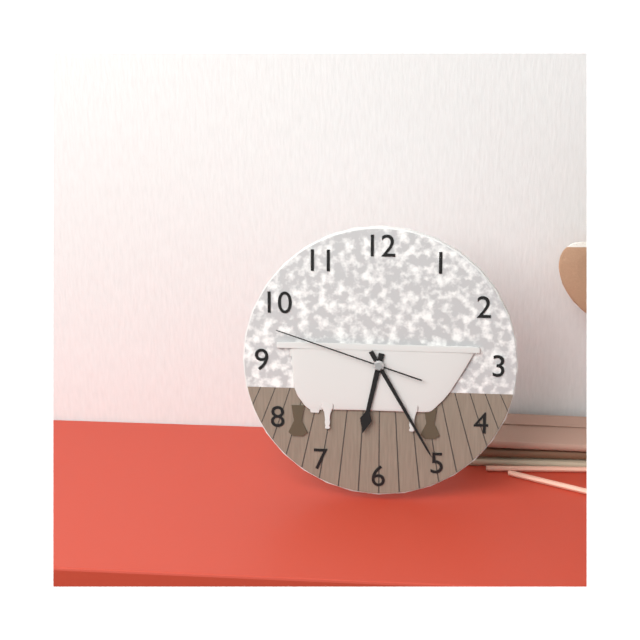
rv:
6.25.48
